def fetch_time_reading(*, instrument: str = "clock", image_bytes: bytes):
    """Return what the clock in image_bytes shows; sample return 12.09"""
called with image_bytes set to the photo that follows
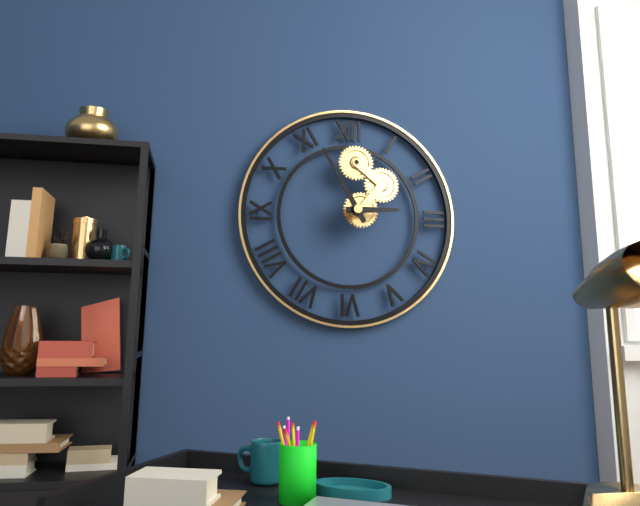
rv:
2.55
